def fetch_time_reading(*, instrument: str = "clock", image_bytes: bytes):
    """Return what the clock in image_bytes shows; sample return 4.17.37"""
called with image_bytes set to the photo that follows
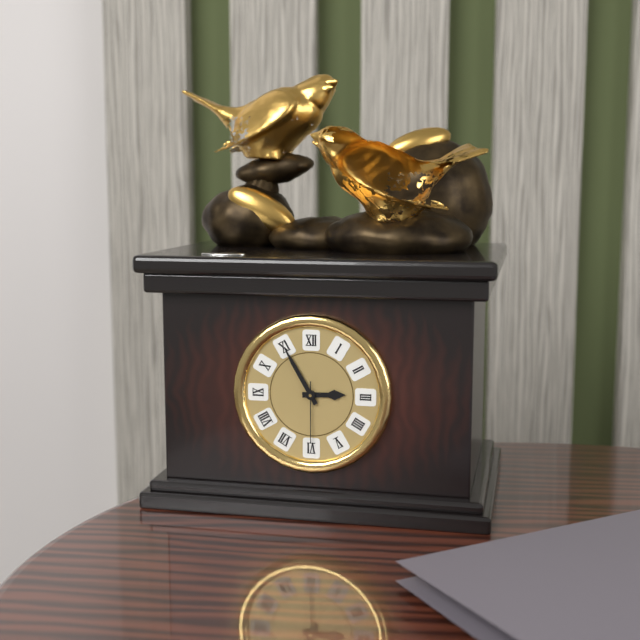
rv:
2.55.30
